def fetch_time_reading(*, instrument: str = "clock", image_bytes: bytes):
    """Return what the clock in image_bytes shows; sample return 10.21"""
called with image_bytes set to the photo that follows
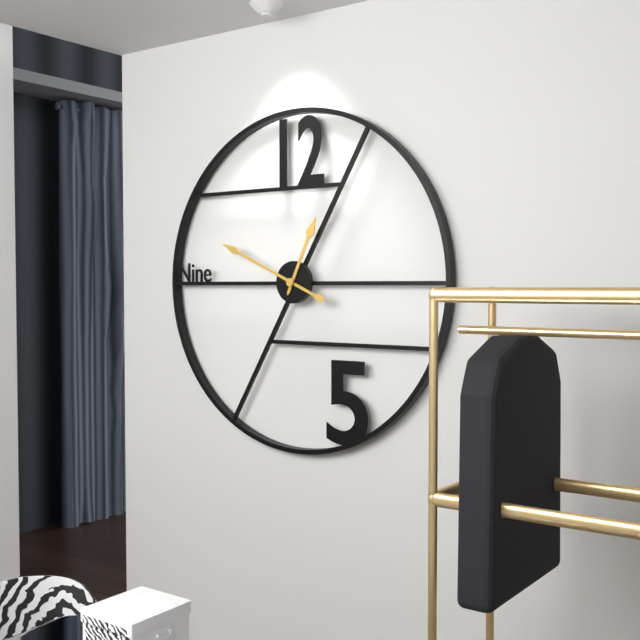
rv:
12.49
